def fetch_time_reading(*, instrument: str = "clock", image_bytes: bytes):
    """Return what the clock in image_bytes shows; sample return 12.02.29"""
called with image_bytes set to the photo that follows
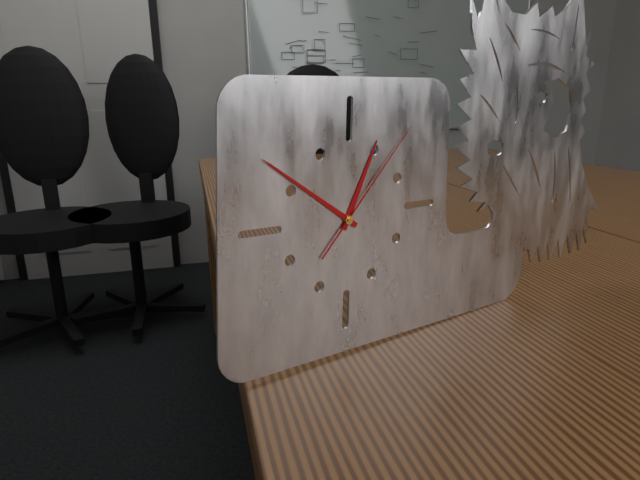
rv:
12.51.07
